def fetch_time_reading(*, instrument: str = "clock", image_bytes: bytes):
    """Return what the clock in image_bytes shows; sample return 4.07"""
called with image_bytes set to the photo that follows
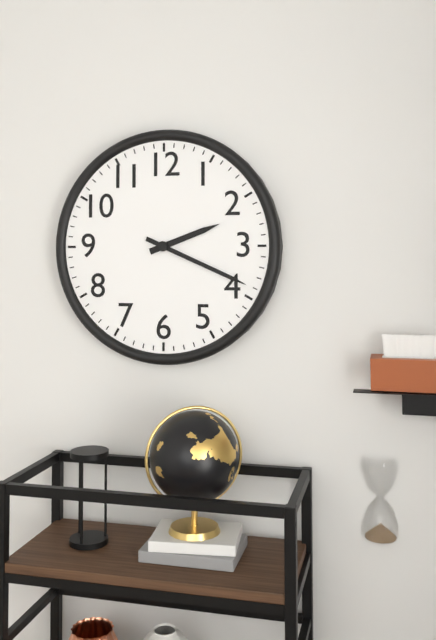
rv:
2.19
